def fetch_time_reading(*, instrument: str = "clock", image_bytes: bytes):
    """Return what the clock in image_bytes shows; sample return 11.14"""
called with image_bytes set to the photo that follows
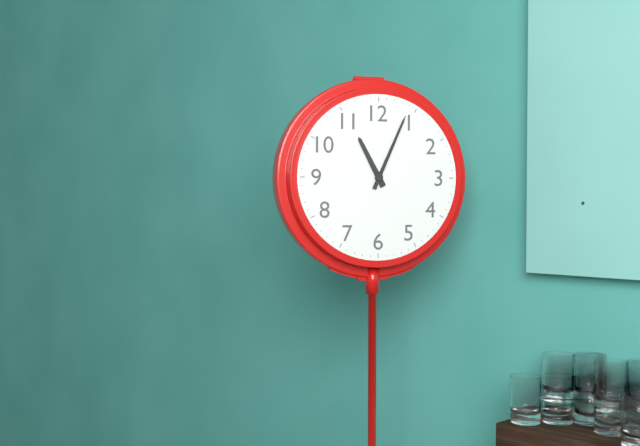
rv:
11.04
